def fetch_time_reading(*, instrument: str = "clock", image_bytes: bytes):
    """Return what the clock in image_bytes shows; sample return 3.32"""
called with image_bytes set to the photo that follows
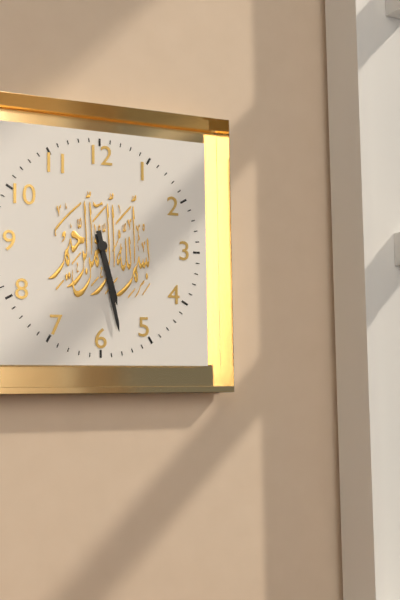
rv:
5.28
